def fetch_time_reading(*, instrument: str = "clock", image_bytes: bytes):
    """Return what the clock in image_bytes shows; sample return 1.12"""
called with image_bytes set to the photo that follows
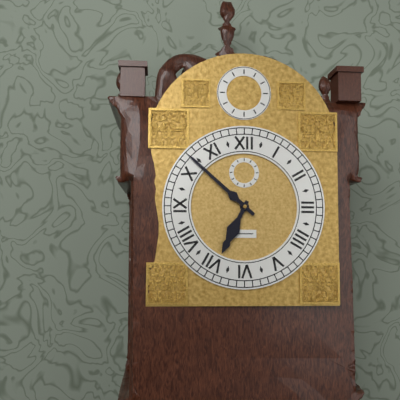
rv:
6.52
